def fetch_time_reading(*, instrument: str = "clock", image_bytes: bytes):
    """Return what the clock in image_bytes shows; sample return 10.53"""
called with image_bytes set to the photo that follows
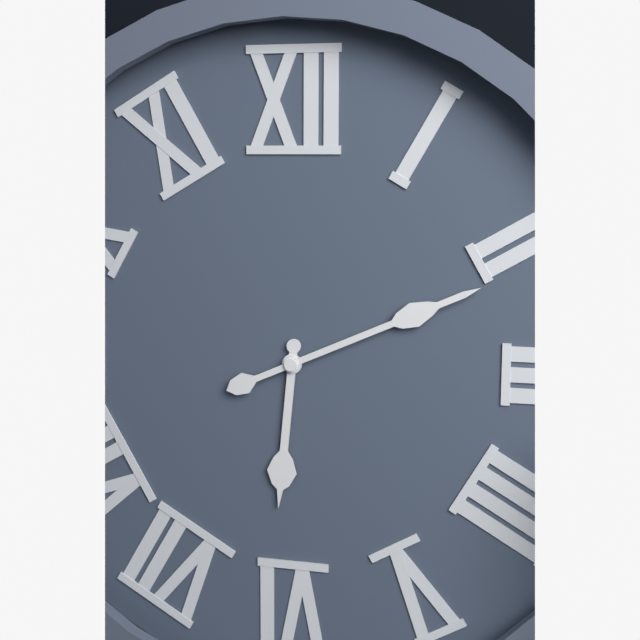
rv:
6.11
